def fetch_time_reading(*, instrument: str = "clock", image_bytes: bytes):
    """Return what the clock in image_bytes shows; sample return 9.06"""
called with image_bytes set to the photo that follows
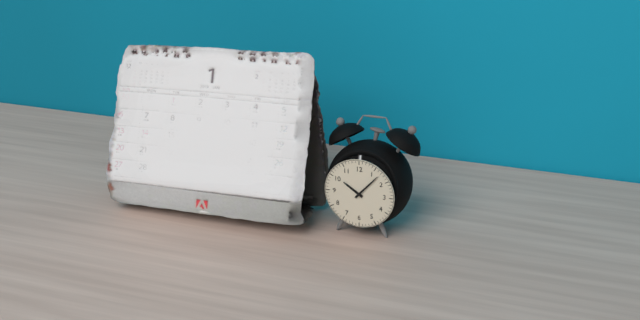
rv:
10.07
